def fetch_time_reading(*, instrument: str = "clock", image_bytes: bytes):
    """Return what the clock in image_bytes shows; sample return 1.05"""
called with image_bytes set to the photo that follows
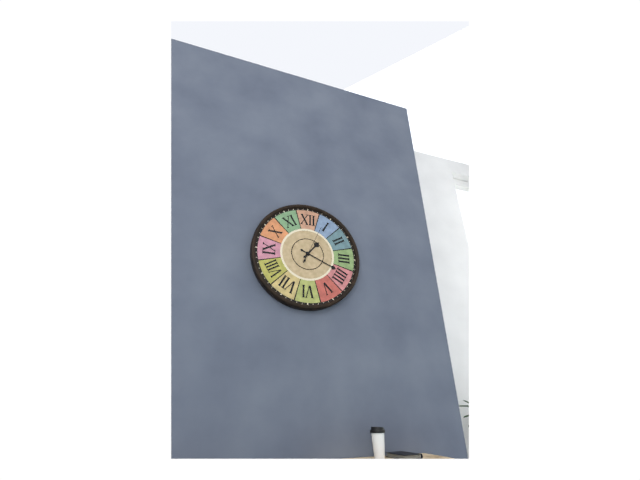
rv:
1.19
